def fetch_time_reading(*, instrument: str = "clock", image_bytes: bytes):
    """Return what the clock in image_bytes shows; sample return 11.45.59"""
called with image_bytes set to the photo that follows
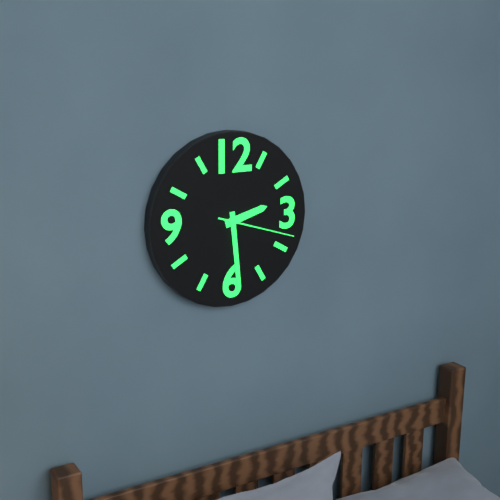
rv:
2.29.18
